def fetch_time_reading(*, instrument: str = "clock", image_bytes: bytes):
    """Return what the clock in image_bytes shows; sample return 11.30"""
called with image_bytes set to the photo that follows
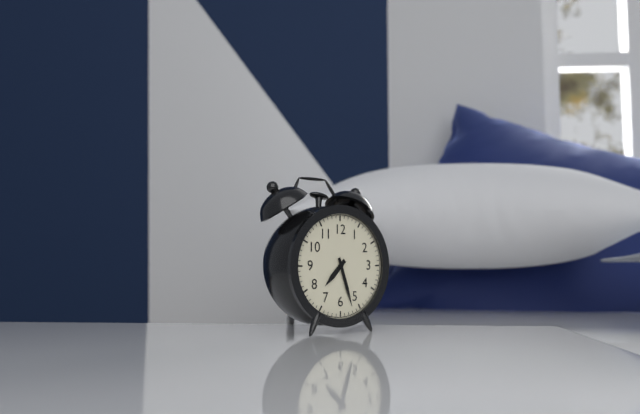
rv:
7.27
